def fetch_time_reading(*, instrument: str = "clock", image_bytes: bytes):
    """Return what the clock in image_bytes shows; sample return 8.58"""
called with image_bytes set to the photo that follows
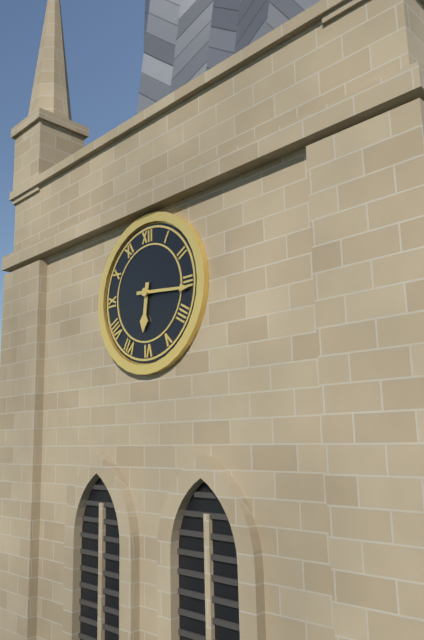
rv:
6.16
